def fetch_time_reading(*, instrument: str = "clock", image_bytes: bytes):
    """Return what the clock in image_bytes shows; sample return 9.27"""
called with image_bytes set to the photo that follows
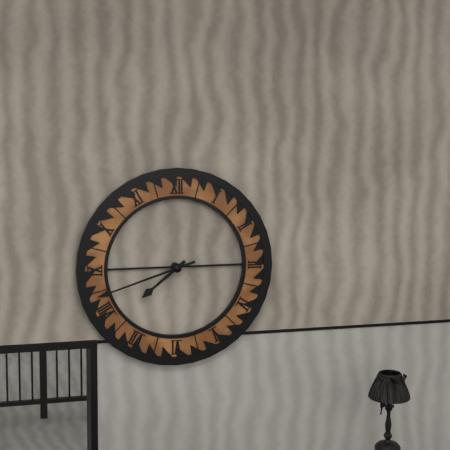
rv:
7.42
